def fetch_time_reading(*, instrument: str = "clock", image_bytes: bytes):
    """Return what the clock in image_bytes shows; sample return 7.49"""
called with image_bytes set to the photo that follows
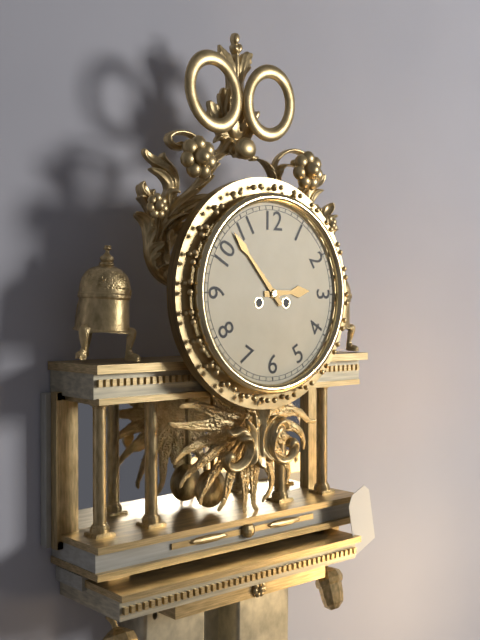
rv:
2.53
